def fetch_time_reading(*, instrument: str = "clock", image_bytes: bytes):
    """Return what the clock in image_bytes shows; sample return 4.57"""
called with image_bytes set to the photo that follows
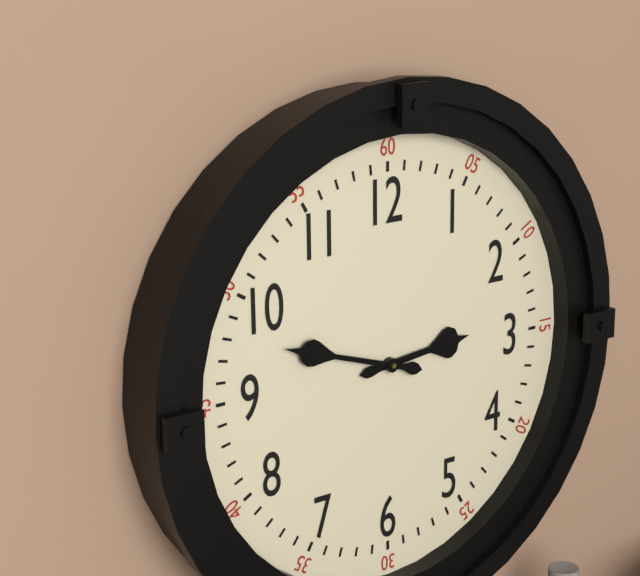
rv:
2.48
